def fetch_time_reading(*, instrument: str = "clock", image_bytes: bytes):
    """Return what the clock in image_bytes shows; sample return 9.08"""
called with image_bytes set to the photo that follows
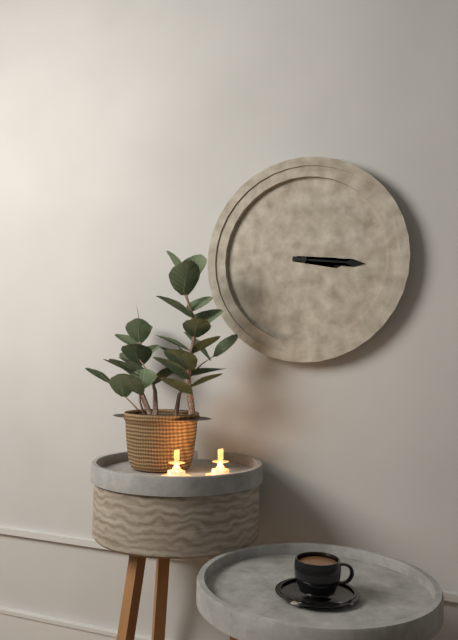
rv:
3.16
